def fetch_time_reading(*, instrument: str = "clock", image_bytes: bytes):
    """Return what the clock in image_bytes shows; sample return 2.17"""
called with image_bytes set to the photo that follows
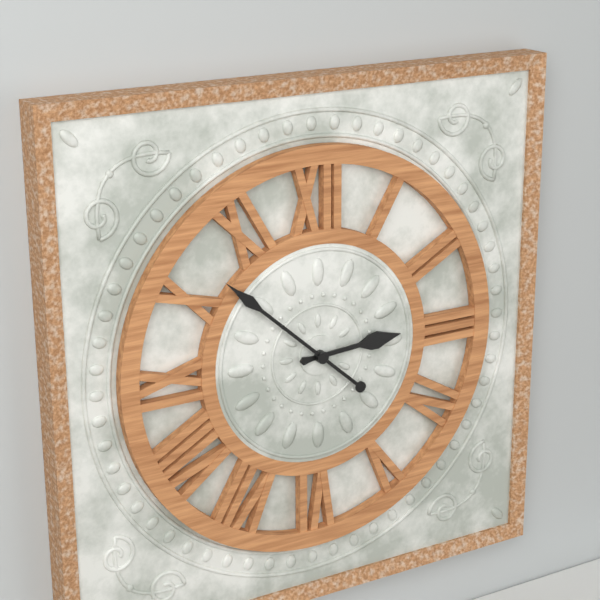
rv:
2.52
